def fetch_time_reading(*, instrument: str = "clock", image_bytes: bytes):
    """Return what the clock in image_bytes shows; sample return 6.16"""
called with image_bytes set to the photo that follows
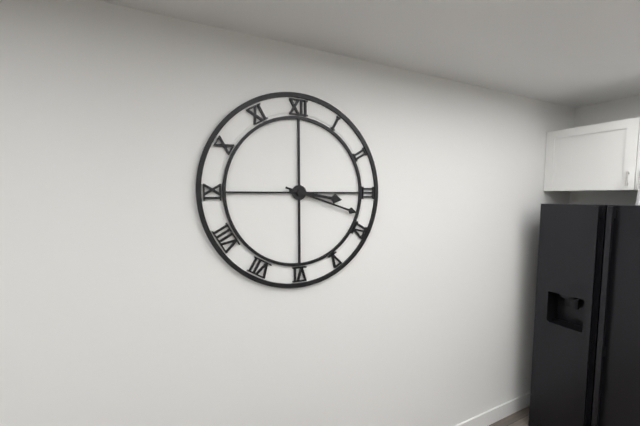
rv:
3.18
